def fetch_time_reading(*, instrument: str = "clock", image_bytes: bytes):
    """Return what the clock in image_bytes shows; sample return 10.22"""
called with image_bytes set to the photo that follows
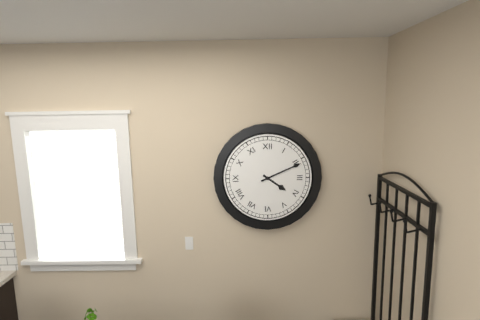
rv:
4.11
